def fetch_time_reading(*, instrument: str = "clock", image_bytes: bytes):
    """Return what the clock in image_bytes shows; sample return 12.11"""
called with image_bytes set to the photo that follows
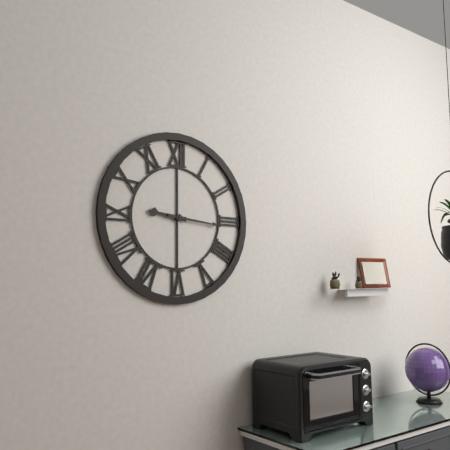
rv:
9.16
